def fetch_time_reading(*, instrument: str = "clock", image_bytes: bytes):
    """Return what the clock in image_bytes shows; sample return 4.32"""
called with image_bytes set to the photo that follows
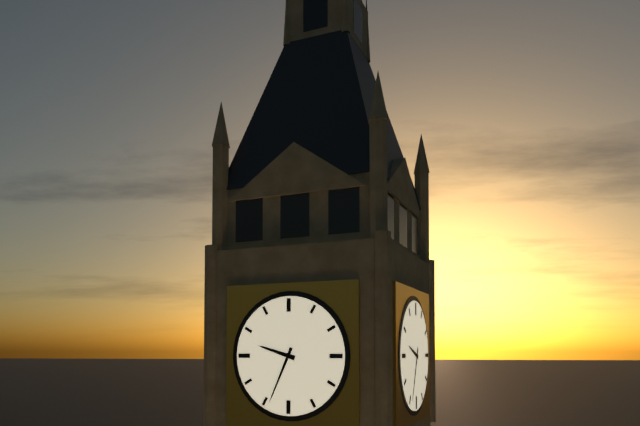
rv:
9.34
